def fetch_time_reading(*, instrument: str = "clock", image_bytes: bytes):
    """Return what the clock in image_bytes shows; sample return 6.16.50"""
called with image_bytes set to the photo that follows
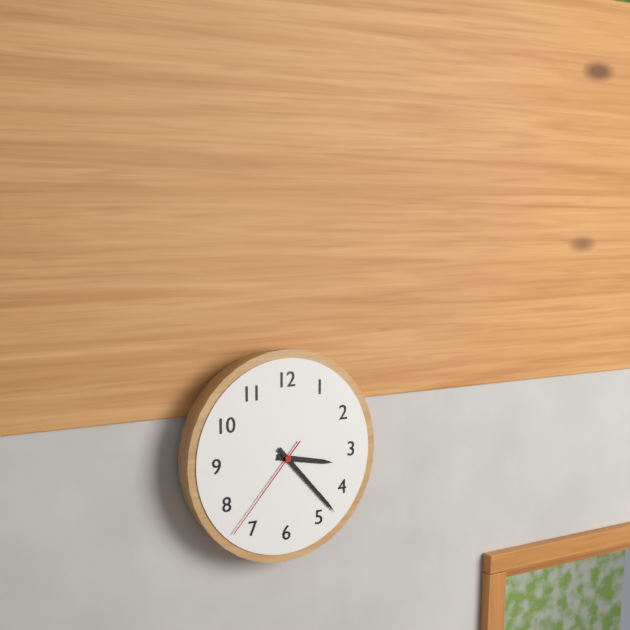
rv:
3.23.37
